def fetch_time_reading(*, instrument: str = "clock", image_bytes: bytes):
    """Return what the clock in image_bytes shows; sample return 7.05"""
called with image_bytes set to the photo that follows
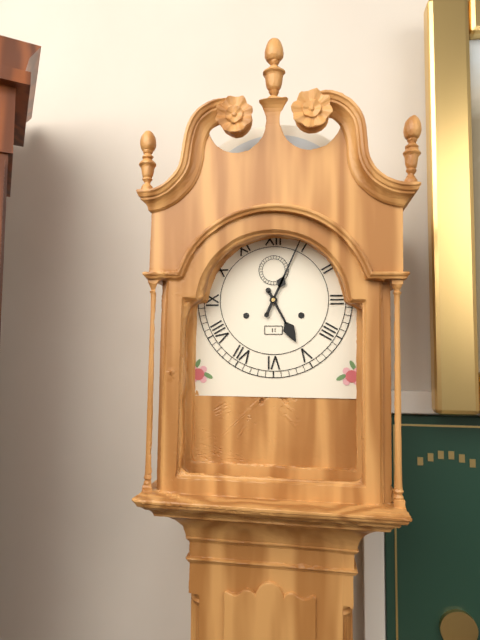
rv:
5.04
